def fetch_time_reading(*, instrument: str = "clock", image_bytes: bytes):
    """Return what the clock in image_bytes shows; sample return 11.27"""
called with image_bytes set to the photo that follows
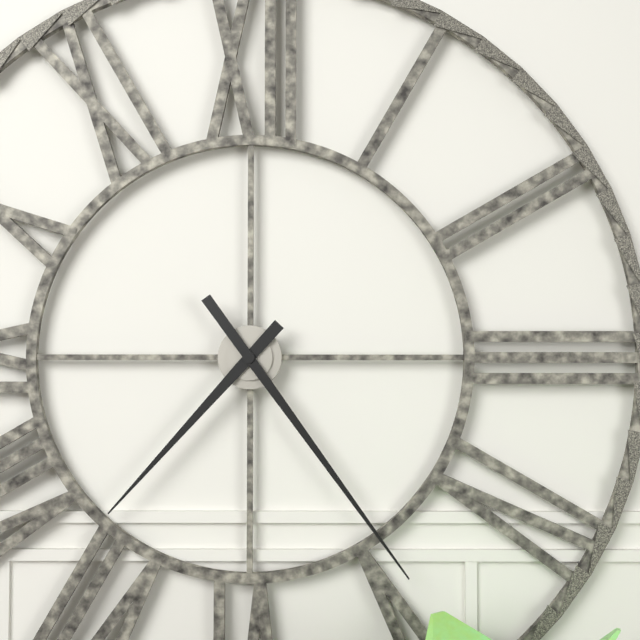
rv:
7.24
